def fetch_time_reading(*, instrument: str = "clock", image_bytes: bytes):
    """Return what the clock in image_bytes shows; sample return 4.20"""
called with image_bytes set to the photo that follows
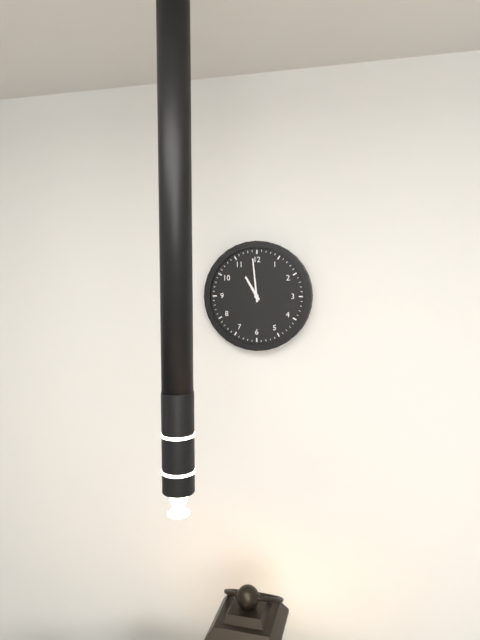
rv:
10.59
